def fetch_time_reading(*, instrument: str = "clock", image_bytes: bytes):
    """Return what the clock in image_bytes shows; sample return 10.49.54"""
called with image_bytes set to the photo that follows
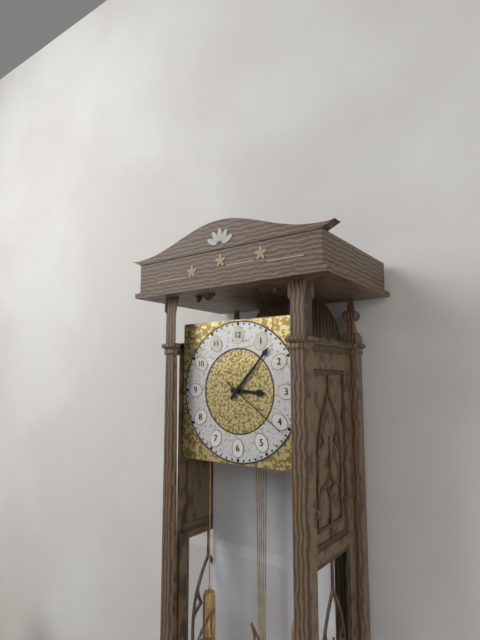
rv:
3.07.21
